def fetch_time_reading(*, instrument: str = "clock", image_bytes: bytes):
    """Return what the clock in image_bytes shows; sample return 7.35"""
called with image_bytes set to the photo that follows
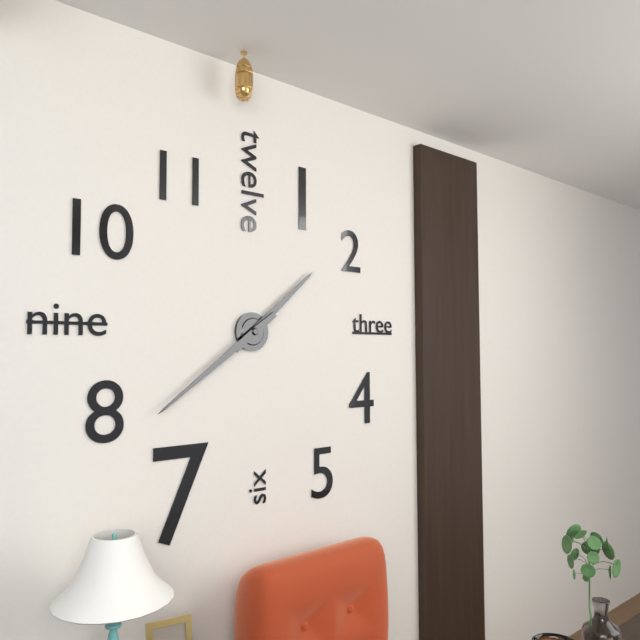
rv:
1.39
